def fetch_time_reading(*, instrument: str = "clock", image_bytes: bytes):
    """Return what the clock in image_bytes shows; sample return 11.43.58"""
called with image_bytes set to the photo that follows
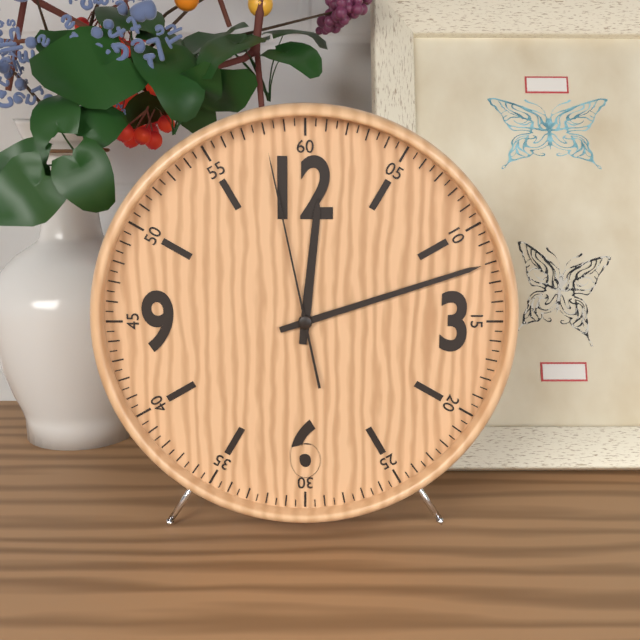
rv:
12.12.58
